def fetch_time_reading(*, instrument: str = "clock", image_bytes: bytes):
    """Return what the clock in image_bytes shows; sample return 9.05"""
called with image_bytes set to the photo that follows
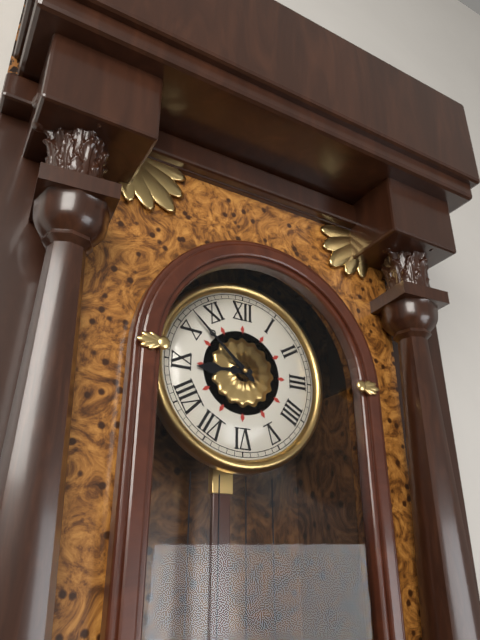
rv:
8.52
